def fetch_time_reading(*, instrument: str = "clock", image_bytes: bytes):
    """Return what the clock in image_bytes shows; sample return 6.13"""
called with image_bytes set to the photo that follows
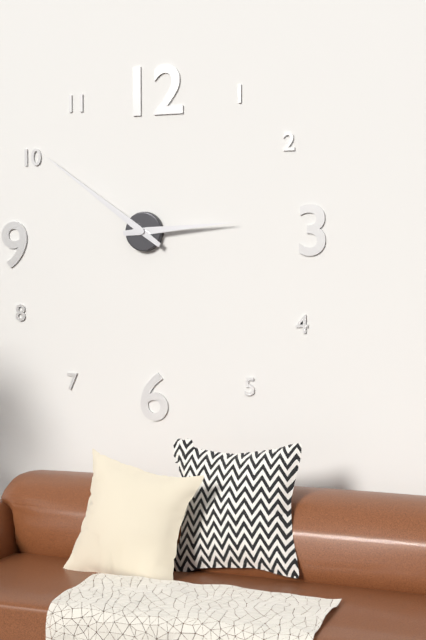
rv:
2.51
